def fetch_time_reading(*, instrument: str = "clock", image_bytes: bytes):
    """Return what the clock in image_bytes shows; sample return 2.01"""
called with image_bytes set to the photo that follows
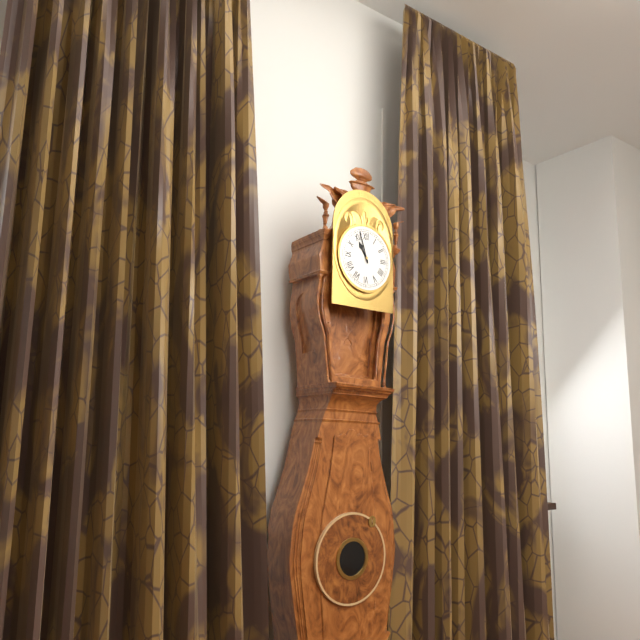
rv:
10.57
